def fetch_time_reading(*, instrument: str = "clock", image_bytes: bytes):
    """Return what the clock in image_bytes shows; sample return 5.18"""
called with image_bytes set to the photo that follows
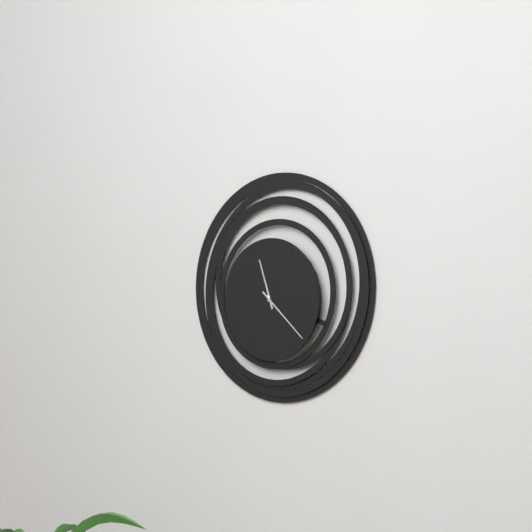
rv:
11.22
